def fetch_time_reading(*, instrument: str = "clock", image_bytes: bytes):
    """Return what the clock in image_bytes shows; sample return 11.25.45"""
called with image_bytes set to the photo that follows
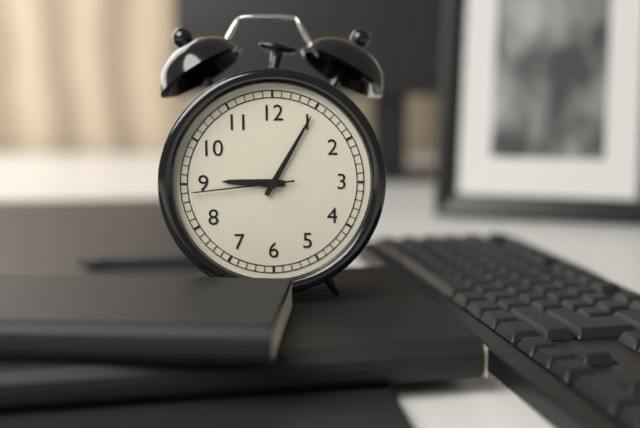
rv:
9.05.44
